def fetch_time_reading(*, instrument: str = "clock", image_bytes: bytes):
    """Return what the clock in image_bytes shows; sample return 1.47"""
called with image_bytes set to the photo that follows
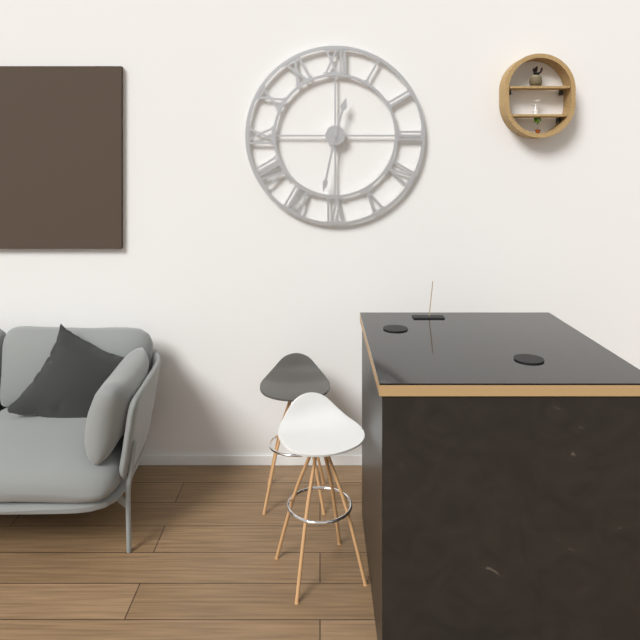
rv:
12.32
